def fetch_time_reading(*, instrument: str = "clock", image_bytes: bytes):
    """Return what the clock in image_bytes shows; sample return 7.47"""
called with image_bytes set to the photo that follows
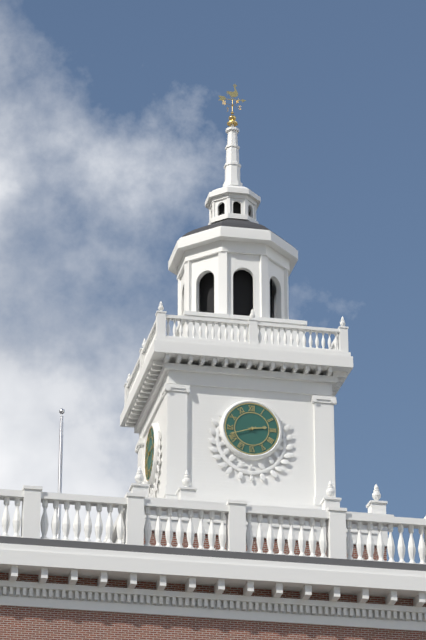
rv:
2.42
